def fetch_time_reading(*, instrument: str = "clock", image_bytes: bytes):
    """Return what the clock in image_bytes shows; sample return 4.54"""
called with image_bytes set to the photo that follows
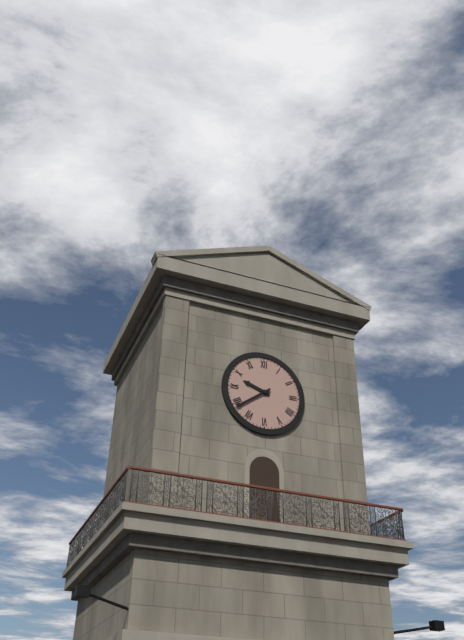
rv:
9.39
